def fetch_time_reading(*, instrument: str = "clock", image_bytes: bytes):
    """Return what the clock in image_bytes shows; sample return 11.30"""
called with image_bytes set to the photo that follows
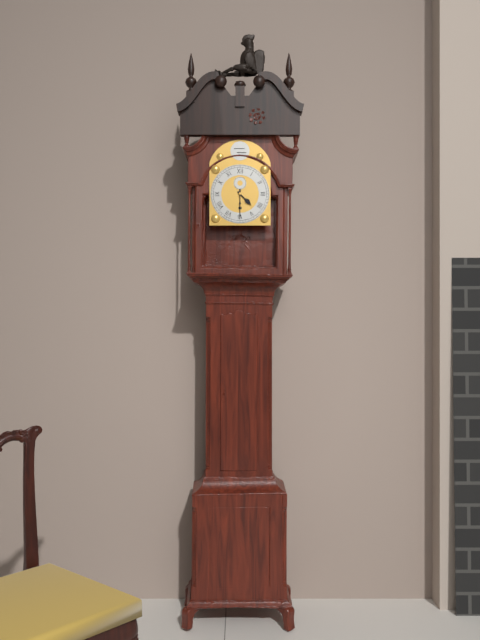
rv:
4.30
